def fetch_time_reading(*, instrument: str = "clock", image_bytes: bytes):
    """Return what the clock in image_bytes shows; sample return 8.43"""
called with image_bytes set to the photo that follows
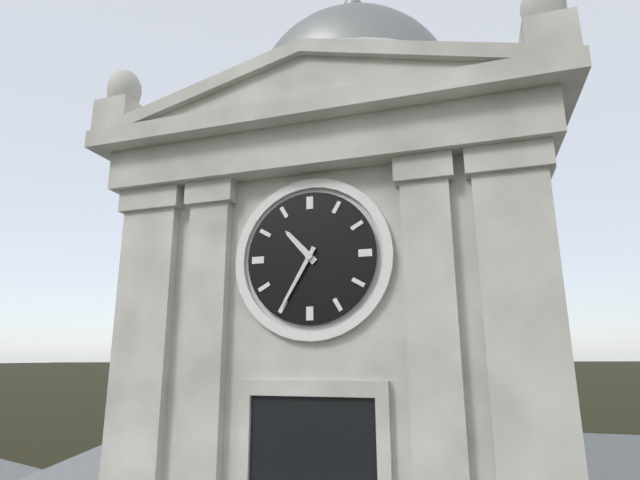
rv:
10.35
